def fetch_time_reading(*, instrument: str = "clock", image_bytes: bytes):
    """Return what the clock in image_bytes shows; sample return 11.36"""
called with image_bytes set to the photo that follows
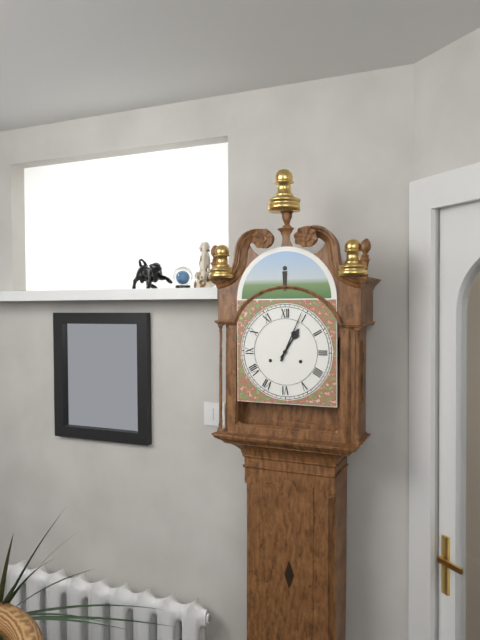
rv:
1.04
